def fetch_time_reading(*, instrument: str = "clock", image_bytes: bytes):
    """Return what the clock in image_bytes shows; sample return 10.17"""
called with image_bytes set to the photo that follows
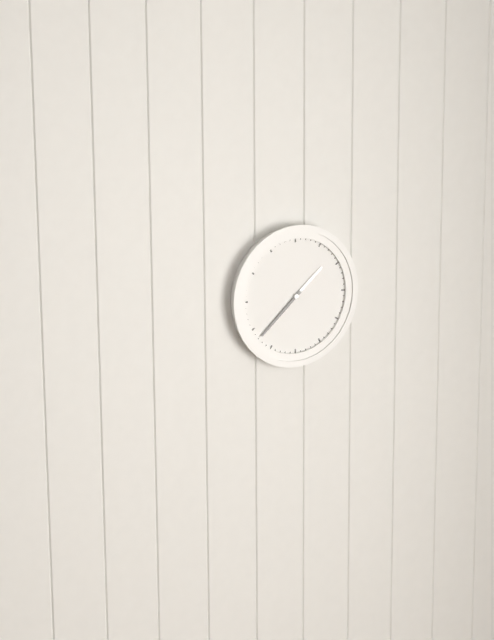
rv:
1.38
